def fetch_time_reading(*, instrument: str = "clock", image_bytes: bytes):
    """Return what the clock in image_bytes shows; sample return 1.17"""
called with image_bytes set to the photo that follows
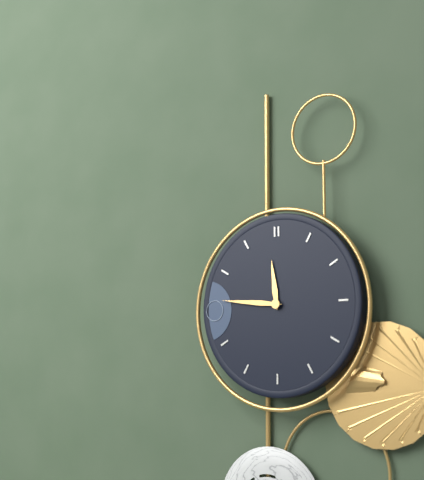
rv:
11.46
